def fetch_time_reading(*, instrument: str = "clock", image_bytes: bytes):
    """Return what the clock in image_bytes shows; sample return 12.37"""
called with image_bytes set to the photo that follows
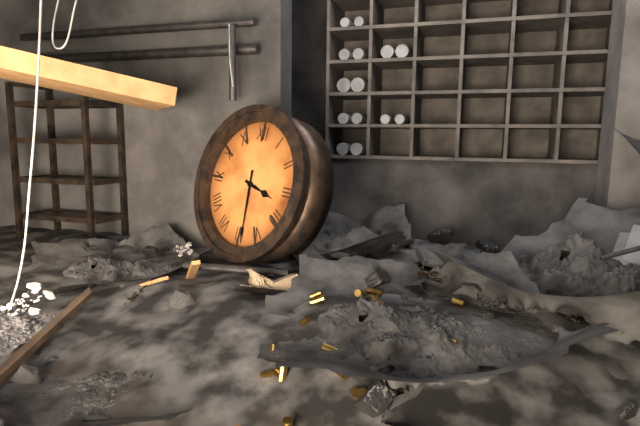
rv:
3.29
